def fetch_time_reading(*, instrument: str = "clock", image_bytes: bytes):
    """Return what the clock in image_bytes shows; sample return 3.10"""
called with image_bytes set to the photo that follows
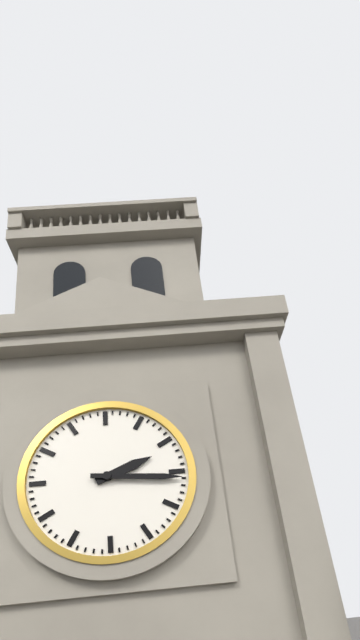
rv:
2.16
